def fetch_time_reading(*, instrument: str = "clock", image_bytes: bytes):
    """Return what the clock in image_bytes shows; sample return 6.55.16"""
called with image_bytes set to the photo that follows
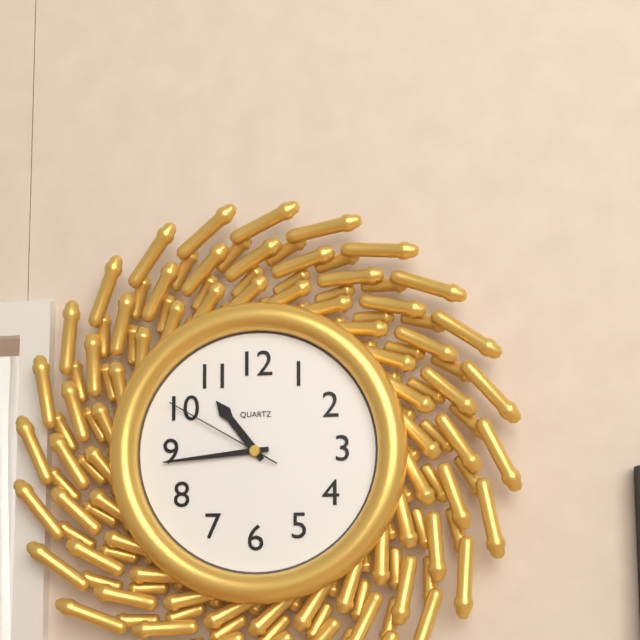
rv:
10.44.50
